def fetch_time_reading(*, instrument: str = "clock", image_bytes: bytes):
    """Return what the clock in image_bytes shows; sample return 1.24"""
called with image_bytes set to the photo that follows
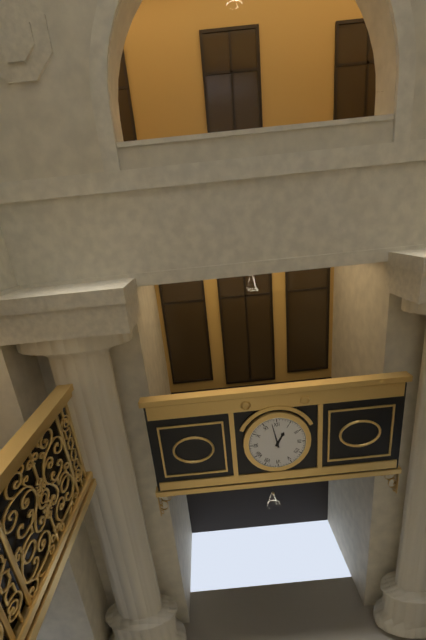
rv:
12.58
